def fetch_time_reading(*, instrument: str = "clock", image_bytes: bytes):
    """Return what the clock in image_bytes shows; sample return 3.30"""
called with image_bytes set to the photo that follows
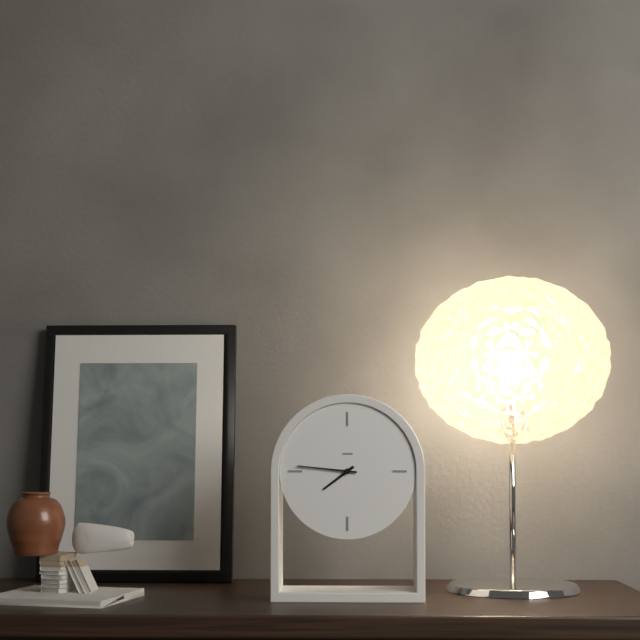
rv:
7.46
